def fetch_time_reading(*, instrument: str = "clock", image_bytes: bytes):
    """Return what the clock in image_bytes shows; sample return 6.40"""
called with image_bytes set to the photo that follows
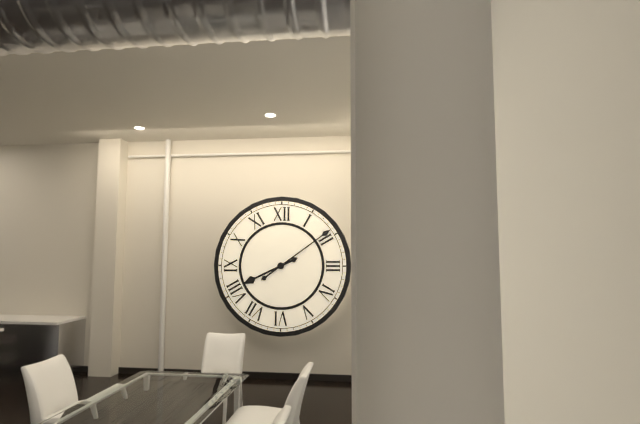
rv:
8.09
